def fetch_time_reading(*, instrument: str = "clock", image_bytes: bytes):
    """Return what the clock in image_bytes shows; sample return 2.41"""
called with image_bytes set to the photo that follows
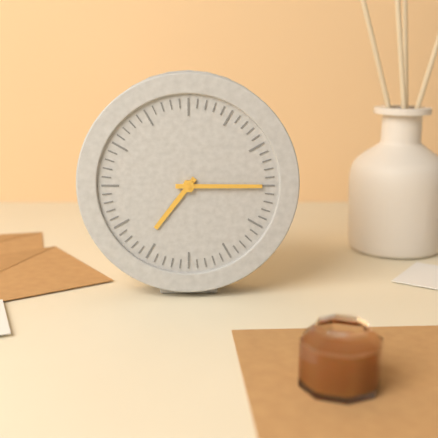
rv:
7.15
